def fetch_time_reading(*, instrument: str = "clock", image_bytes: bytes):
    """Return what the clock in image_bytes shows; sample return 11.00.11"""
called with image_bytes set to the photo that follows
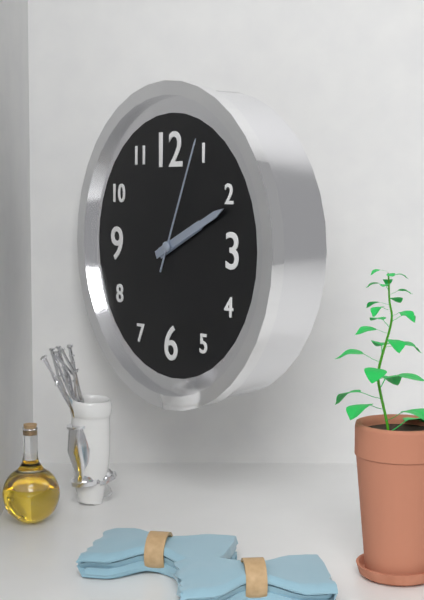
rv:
2.11.04
